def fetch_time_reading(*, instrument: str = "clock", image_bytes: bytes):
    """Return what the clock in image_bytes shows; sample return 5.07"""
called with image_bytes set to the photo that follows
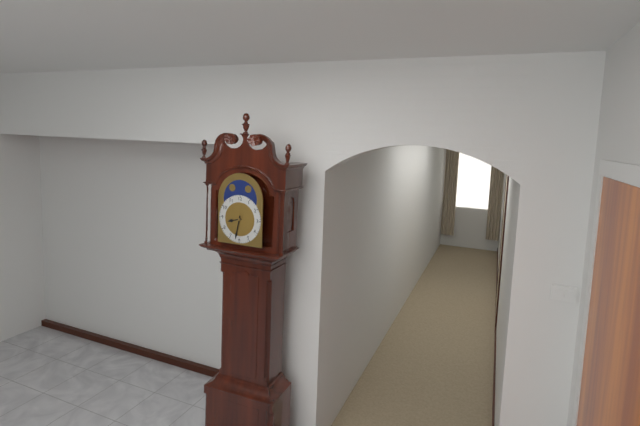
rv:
8.32
